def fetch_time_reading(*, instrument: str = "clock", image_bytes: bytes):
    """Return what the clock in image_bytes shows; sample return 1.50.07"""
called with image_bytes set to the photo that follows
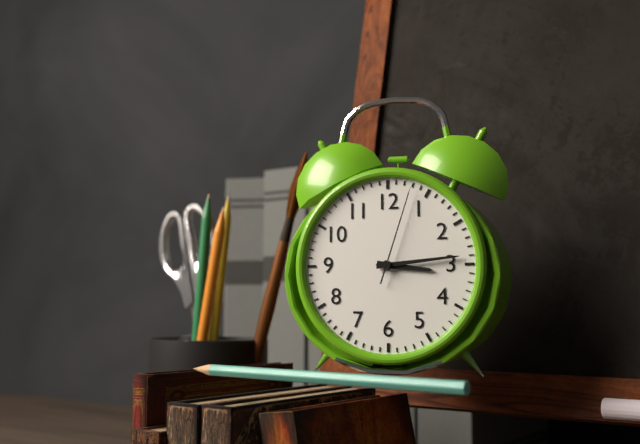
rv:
3.14.03
